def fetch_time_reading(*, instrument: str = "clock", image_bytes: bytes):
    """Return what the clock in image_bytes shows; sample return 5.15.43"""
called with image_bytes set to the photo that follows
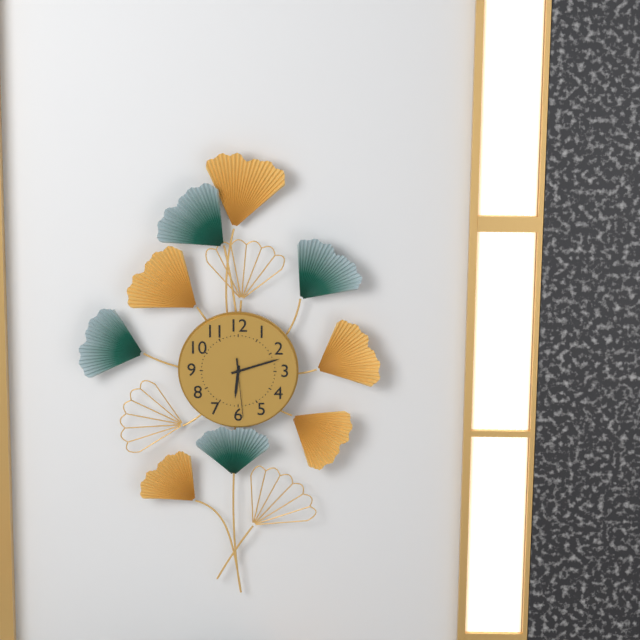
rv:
6.12.29
